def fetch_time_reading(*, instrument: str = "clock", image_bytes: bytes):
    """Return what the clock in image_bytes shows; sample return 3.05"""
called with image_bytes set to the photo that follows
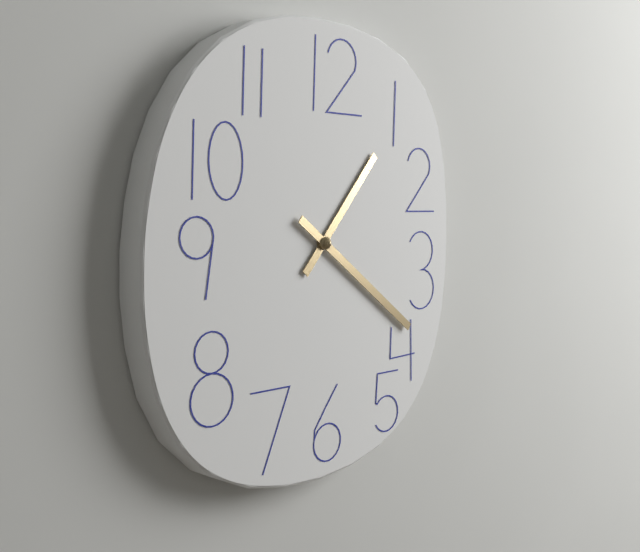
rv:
1.21
